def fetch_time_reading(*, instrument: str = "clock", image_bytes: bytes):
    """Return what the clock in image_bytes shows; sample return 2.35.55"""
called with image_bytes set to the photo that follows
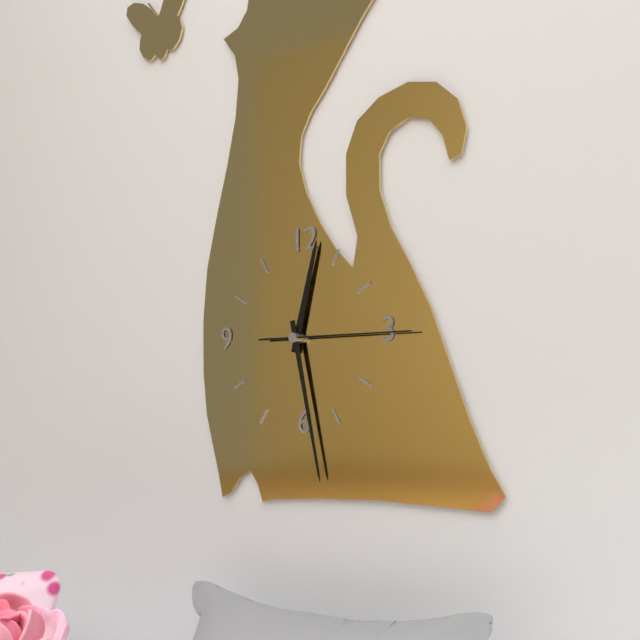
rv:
12.28.15
